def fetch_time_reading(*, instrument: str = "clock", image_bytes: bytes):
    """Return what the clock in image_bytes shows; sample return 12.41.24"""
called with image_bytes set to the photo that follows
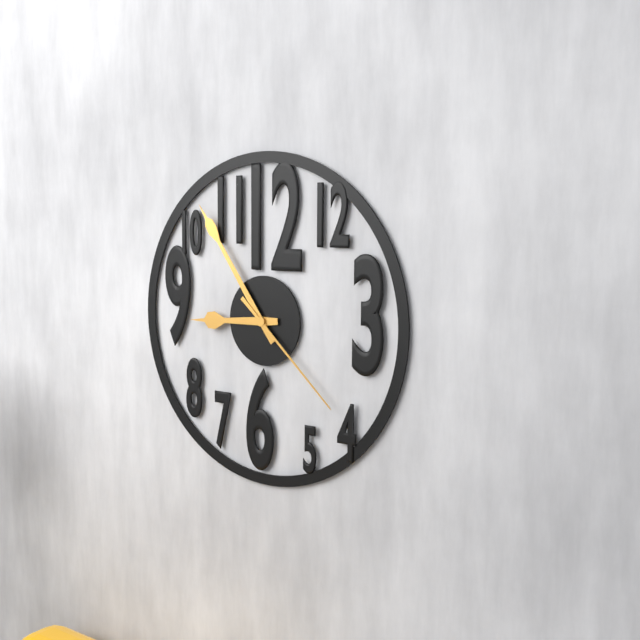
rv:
8.54.22
